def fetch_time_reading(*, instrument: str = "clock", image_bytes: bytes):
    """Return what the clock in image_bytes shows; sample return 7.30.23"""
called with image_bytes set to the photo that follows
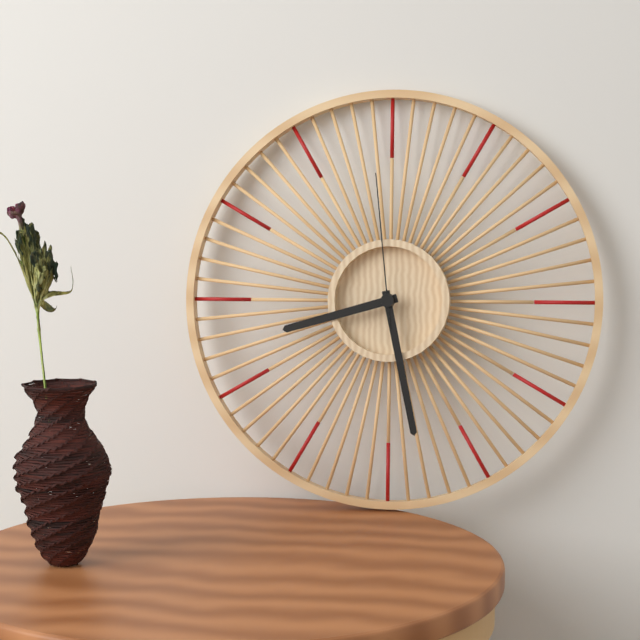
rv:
8.28.59
